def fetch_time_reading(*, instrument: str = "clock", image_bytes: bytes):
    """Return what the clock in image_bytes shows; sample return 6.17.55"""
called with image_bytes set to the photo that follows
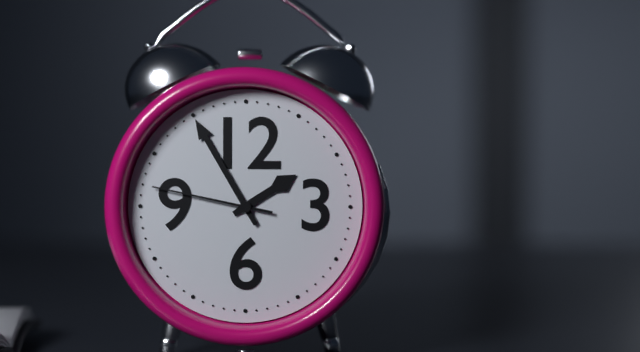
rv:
1.55.47
